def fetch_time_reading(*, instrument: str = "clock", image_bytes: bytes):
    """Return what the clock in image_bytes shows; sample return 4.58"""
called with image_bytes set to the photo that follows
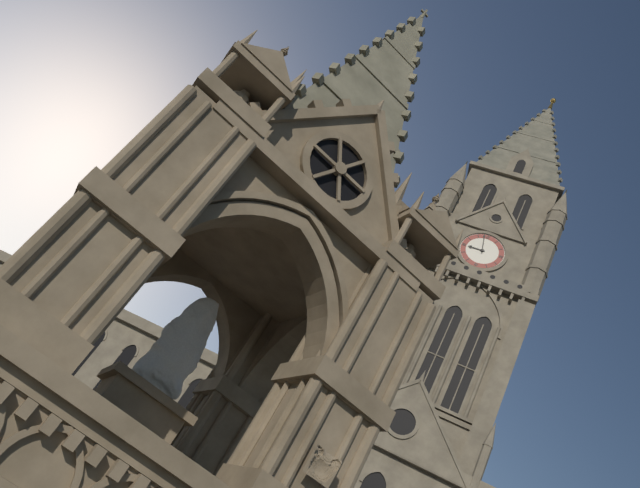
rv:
8.58
